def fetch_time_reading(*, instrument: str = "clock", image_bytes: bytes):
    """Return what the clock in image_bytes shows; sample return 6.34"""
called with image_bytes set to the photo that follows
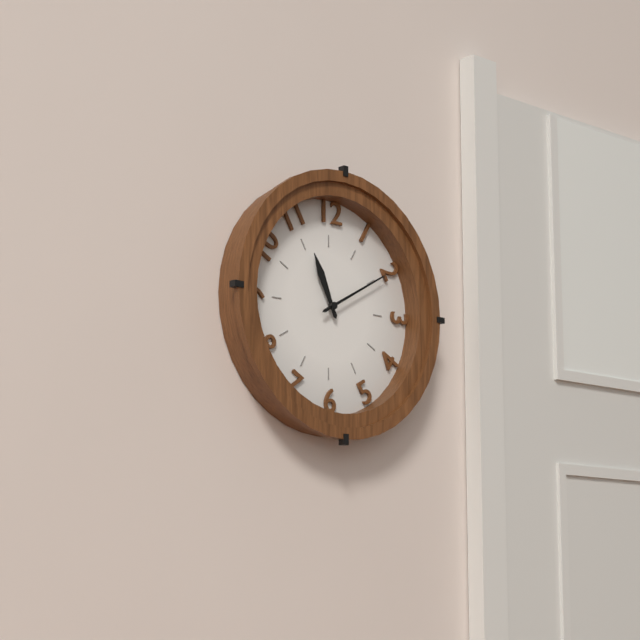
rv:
11.10
